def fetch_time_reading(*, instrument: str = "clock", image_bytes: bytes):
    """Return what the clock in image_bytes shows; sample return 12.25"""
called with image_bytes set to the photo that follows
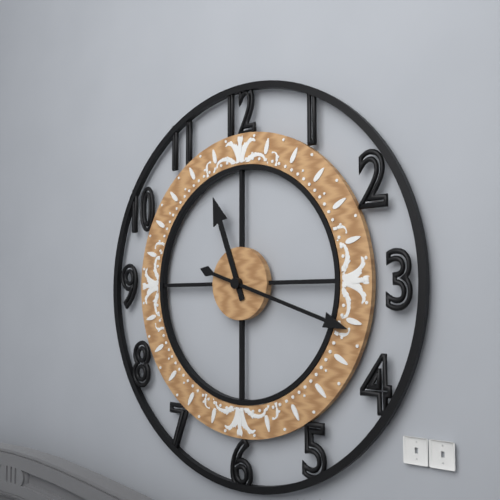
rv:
11.18
